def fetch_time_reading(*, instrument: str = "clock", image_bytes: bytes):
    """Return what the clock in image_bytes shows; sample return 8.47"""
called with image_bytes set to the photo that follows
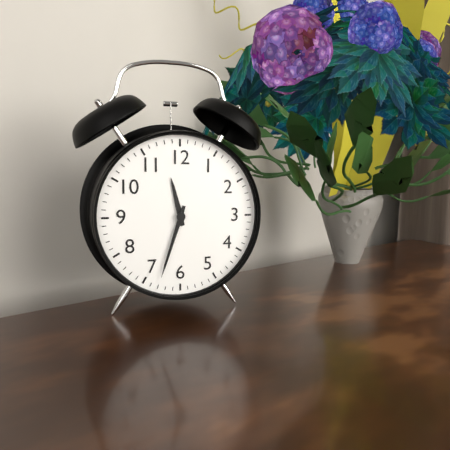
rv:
11.33
